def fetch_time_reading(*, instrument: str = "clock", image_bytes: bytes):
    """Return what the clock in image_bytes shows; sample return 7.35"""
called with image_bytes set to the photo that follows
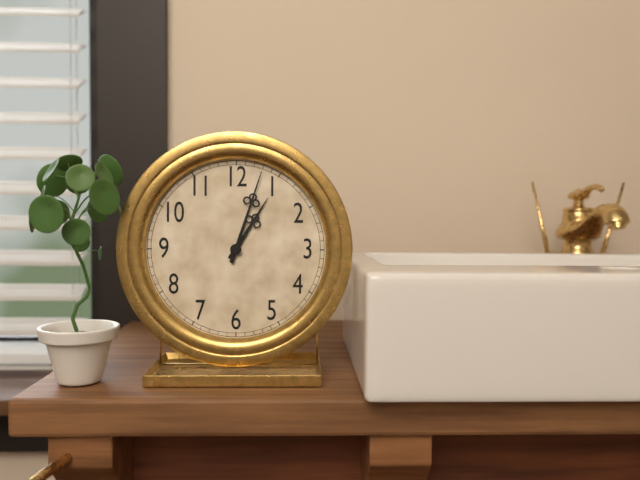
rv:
1.03
